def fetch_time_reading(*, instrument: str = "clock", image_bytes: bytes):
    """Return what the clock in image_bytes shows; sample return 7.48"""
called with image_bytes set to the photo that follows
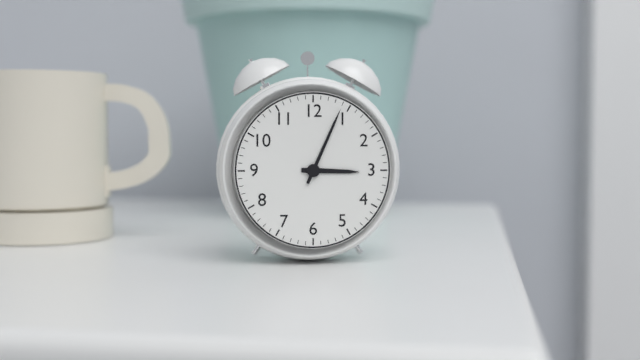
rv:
3.04
